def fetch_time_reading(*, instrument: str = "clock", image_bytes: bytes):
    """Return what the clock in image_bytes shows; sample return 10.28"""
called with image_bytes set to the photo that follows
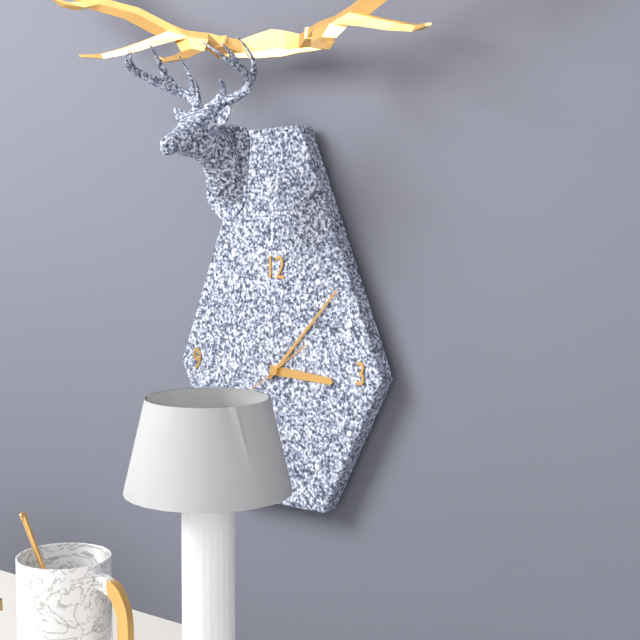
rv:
3.07
